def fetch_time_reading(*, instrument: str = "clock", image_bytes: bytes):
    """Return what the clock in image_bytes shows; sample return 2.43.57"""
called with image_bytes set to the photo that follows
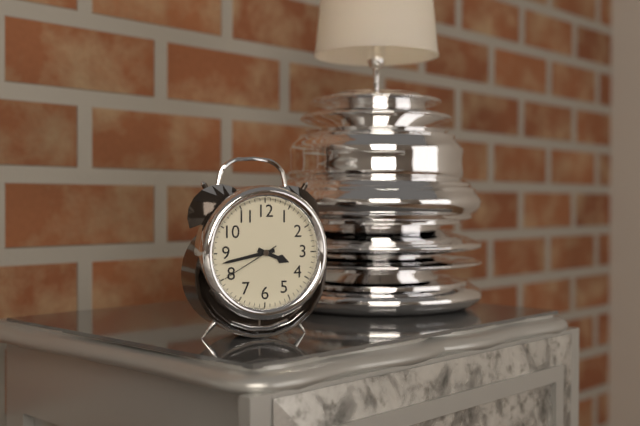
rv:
3.43.40
